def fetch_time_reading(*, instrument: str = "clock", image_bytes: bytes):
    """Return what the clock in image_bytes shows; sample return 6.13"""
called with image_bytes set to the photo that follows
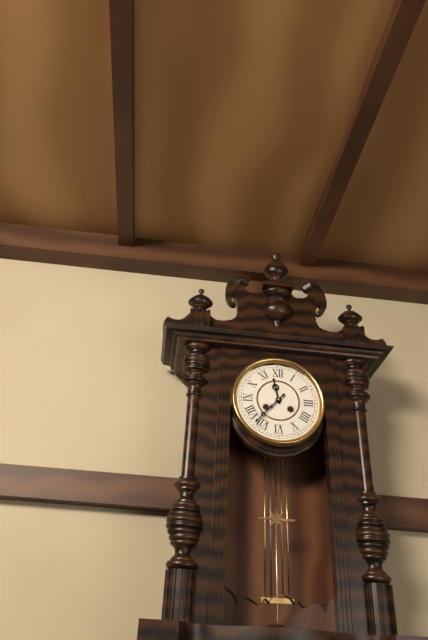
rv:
11.37
